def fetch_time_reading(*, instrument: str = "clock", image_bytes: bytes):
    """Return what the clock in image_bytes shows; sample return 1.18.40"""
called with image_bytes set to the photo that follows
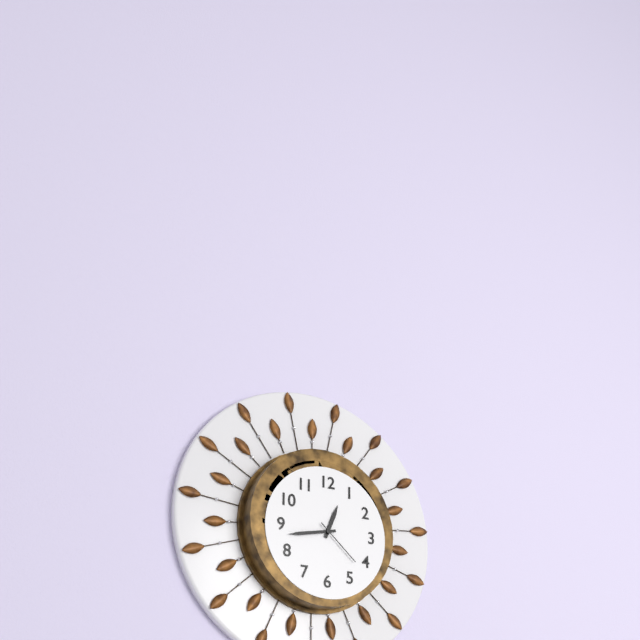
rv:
12.43.22
